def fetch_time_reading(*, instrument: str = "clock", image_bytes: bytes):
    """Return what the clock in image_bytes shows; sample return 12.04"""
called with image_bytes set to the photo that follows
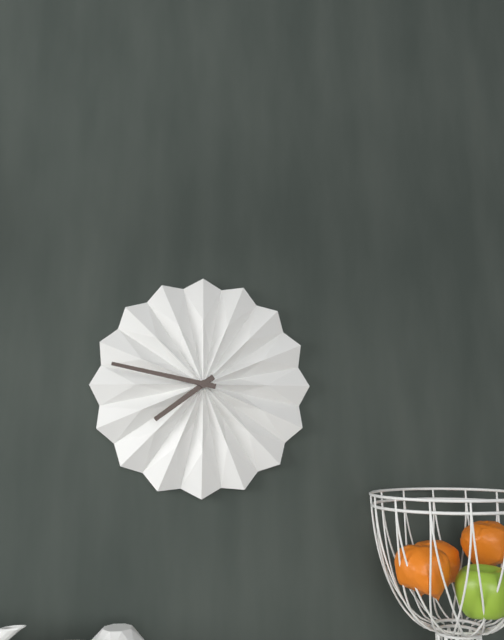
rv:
7.47
